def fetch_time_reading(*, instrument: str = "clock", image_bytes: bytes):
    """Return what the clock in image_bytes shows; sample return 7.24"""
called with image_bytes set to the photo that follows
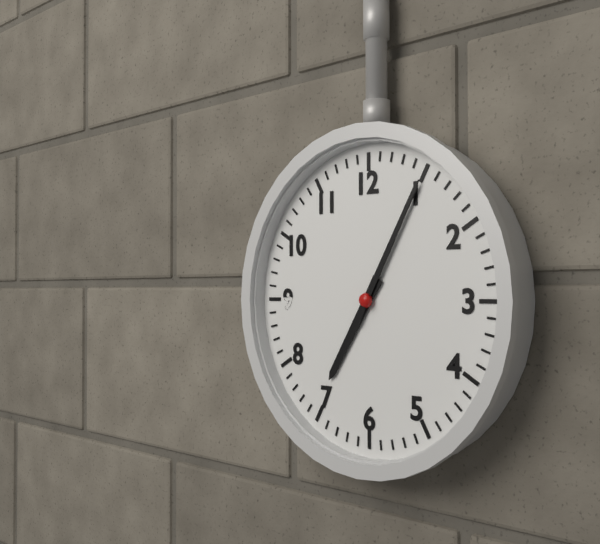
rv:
7.05
